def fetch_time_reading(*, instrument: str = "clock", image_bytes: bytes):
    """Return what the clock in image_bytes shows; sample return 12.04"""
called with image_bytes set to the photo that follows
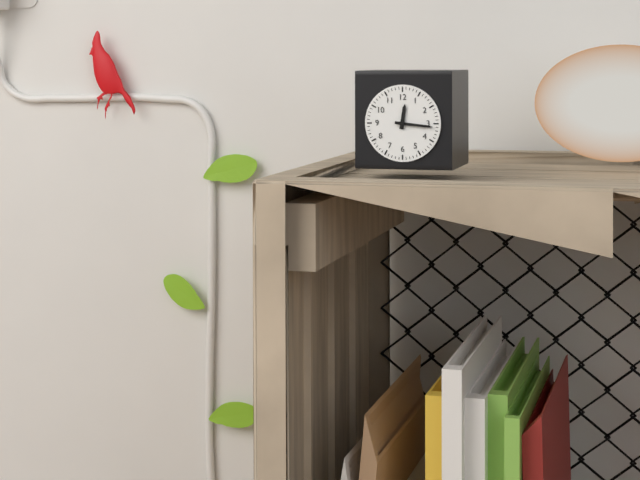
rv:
12.16
